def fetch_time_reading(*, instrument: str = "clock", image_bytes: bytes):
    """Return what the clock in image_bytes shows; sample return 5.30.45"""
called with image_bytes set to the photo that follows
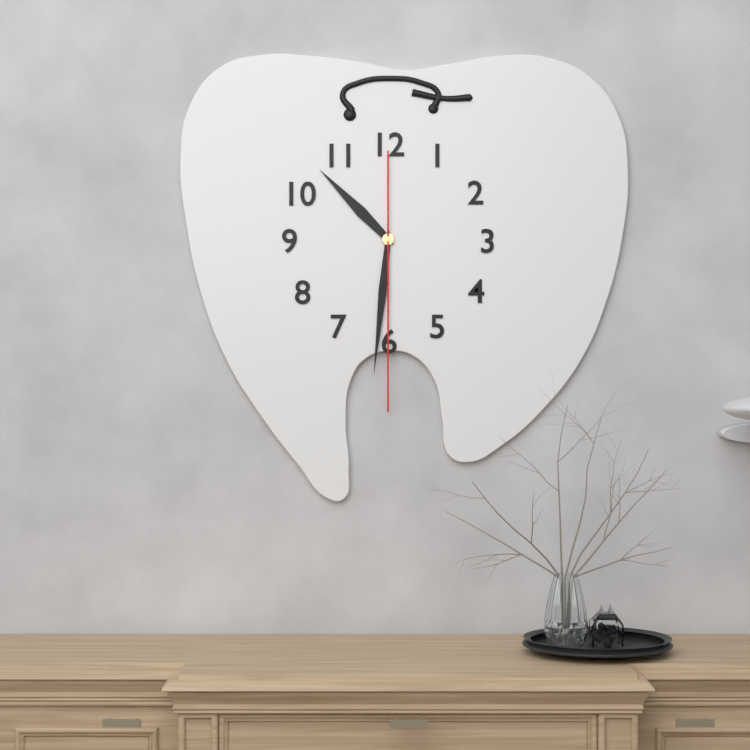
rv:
10.31.30
